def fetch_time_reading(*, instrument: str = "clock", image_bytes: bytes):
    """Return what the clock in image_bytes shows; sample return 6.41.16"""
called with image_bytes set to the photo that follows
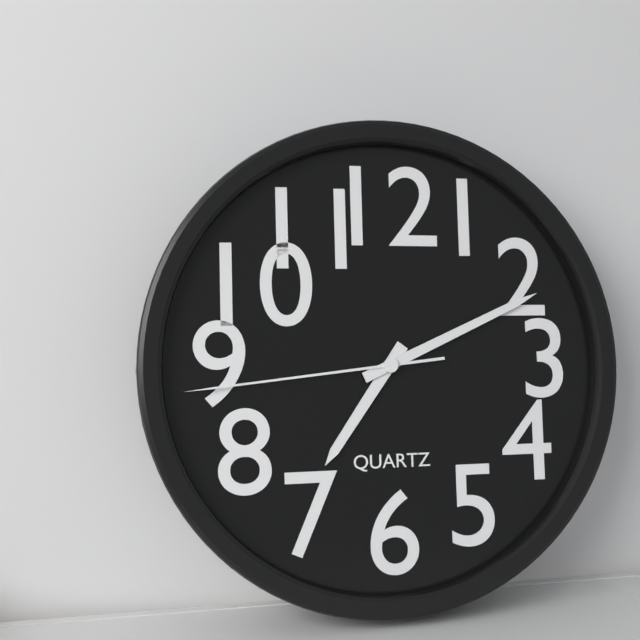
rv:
7.11.44
